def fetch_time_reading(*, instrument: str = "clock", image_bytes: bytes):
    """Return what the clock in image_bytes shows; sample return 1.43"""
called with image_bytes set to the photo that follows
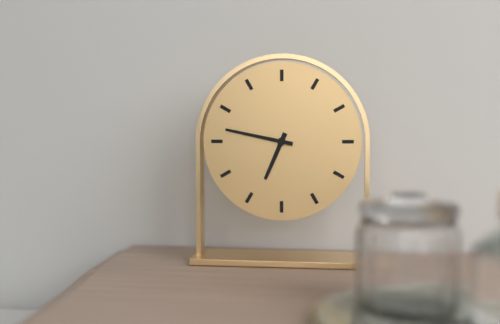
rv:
6.47
